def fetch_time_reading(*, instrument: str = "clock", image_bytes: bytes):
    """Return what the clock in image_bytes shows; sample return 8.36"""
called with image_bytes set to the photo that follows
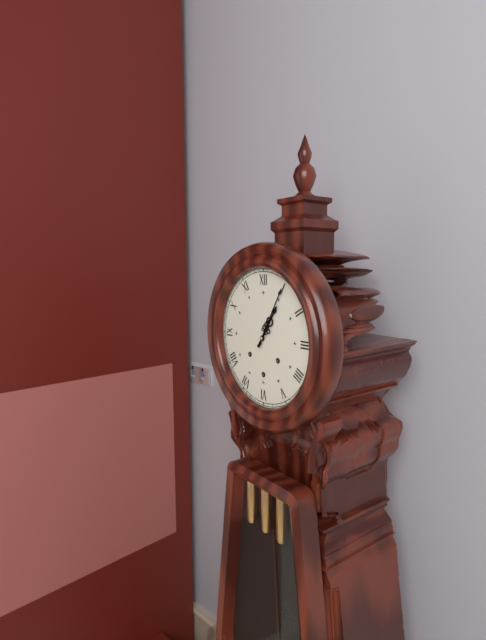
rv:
1.05
